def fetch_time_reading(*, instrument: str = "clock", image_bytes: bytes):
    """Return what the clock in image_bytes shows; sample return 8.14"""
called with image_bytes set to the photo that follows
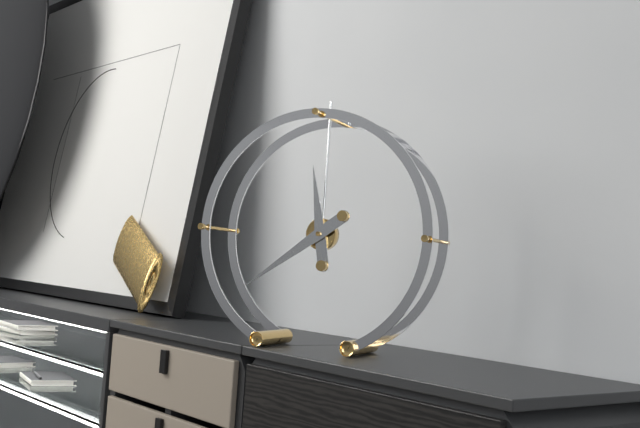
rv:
11.39
